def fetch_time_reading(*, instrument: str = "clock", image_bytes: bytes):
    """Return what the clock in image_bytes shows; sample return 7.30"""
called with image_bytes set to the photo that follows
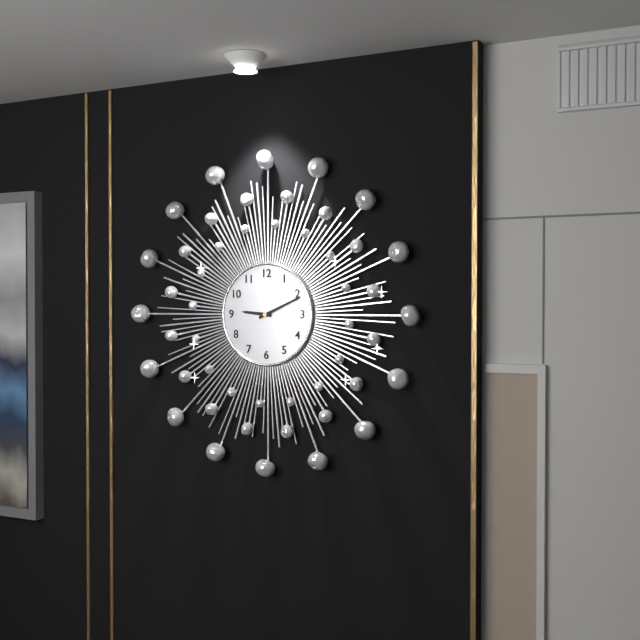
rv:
9.11
